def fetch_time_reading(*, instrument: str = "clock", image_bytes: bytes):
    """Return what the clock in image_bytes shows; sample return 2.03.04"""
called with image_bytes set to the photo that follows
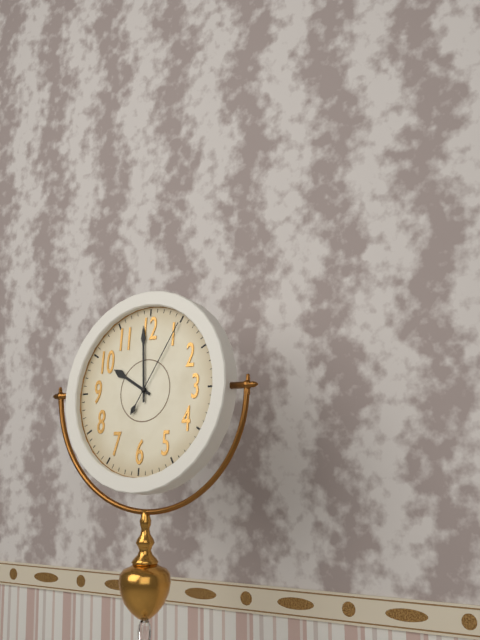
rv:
9.59.05
